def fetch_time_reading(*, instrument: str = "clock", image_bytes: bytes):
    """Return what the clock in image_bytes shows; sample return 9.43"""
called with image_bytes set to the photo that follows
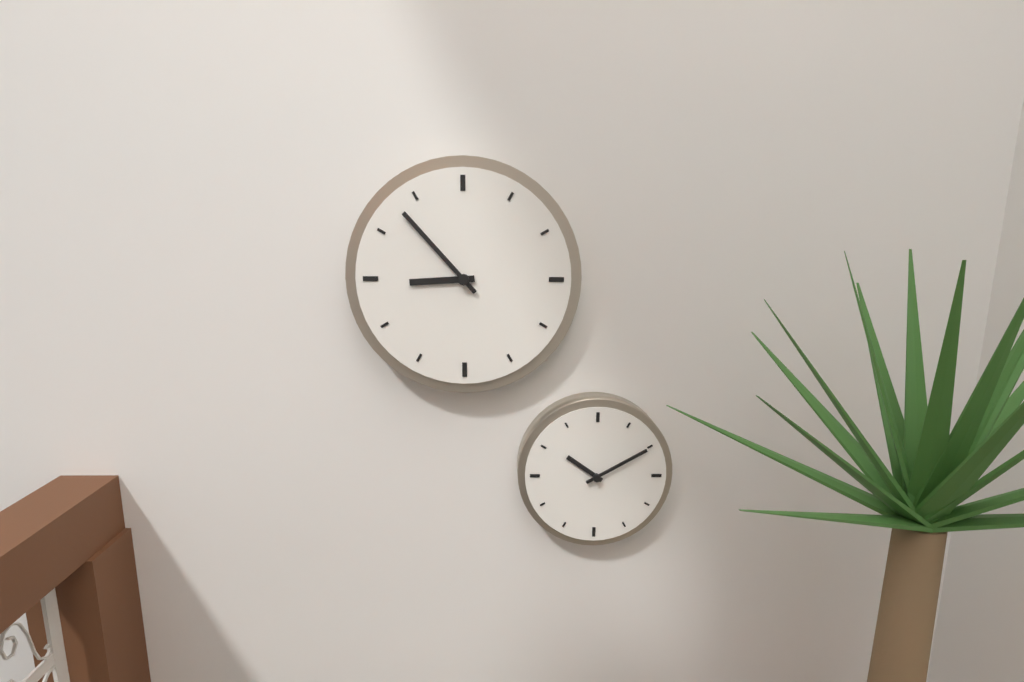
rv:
8.53
